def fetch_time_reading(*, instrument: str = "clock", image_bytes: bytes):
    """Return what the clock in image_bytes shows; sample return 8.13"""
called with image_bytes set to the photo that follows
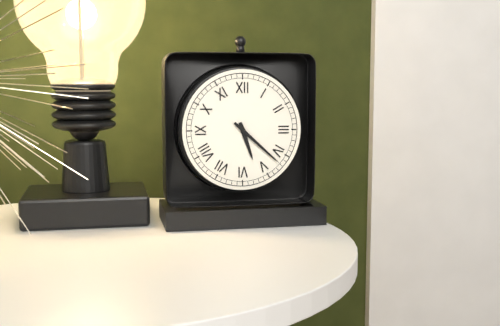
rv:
5.22
